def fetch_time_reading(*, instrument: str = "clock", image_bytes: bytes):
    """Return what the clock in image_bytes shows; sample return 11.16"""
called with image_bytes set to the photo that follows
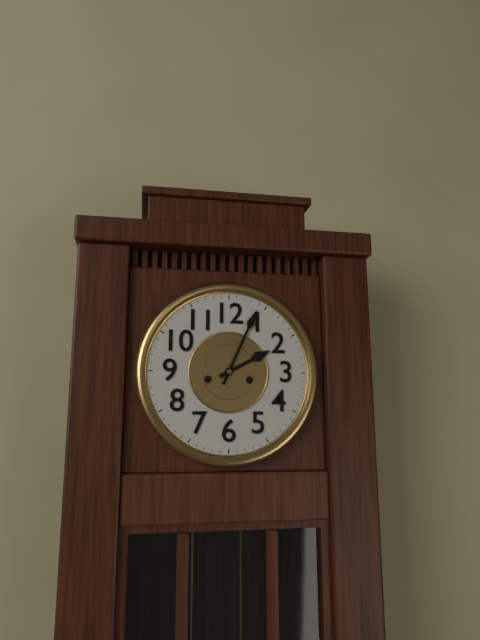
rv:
2.04
